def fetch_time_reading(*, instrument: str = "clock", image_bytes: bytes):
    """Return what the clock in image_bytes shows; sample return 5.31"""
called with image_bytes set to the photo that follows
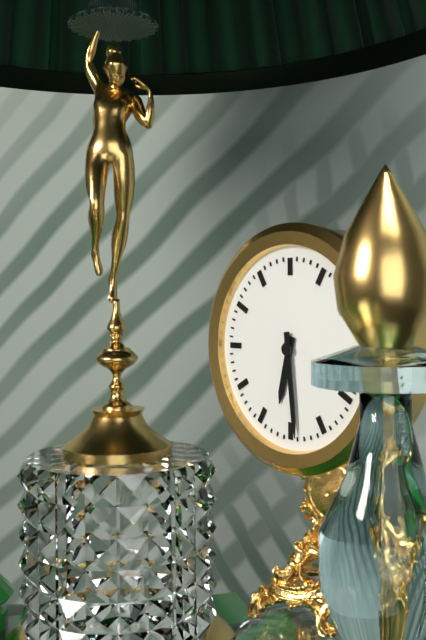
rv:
6.29
